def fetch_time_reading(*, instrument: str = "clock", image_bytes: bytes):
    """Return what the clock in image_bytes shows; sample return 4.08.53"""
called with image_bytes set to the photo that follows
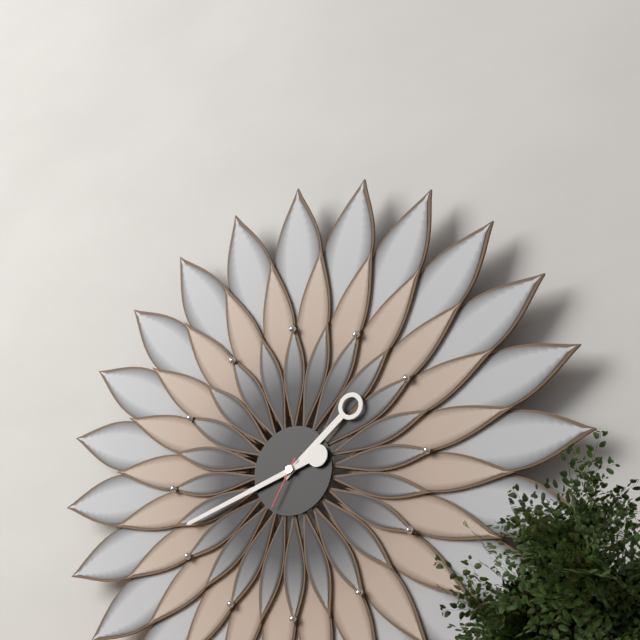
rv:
1.42.35
